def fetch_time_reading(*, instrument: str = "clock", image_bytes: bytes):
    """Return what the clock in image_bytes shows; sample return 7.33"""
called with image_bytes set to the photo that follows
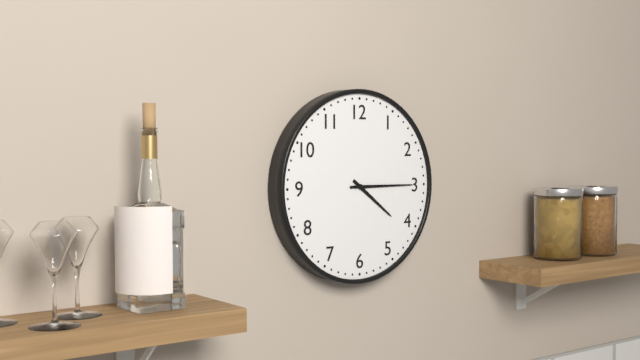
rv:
4.15
